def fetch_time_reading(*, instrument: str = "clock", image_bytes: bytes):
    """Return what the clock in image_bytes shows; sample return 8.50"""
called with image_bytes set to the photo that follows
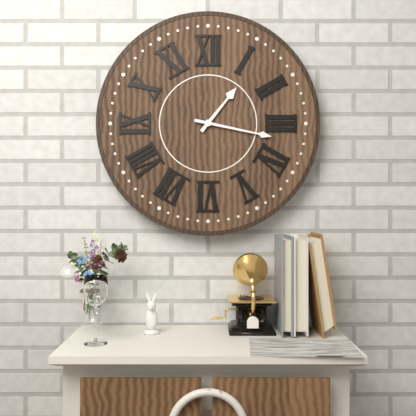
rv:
1.17
